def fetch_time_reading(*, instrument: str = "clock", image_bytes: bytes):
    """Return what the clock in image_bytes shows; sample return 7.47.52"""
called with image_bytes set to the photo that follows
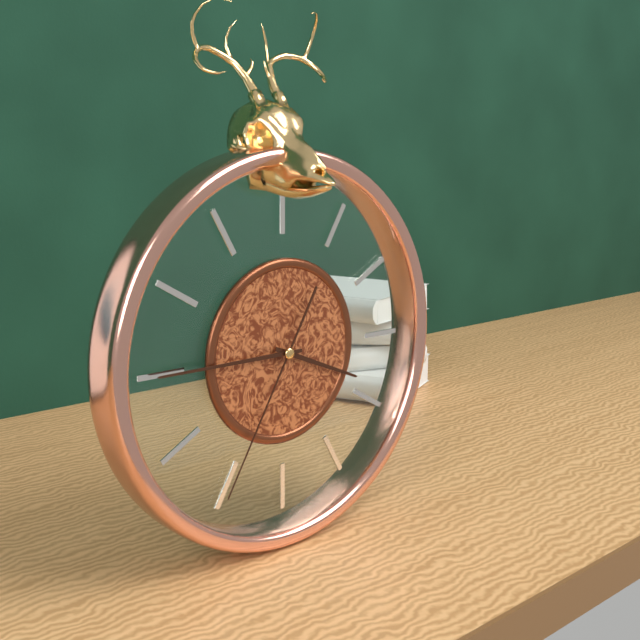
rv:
3.45.35
